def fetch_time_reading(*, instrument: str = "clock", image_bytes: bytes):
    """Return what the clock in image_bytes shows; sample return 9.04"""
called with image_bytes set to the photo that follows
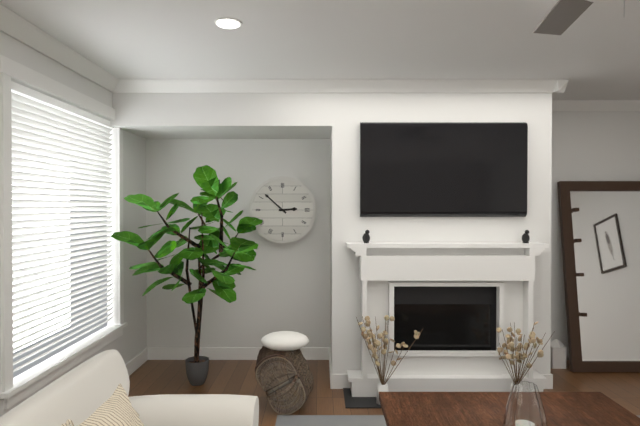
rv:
2.52
